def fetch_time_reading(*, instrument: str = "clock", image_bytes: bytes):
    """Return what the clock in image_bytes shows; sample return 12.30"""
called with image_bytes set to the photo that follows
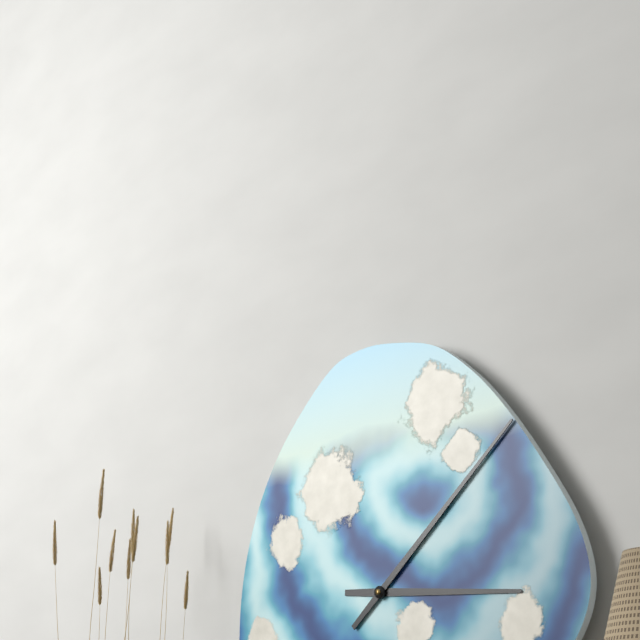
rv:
3.08
